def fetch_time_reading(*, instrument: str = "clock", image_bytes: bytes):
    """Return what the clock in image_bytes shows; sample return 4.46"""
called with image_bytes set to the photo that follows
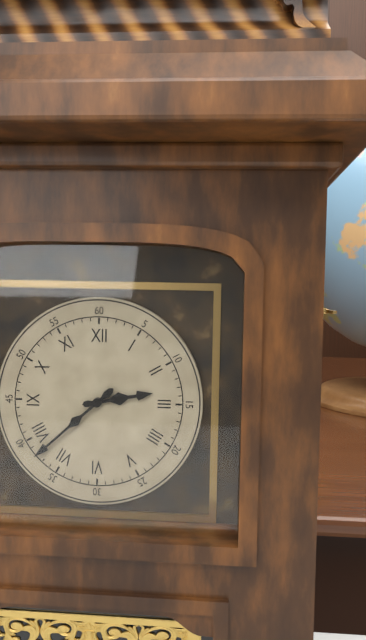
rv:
2.38
